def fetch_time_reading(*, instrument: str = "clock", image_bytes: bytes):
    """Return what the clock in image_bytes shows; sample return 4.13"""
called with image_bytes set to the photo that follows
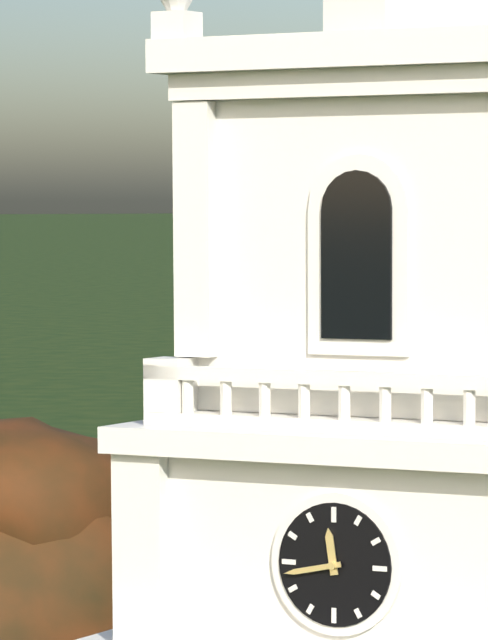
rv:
11.43
